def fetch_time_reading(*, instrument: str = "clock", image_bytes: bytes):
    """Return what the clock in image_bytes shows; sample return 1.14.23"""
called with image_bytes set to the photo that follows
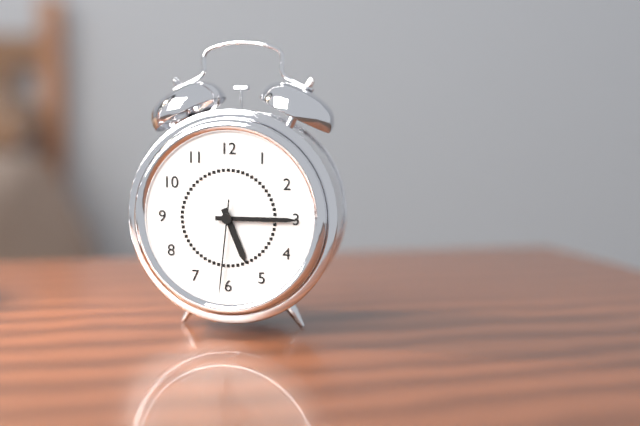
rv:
5.15.31
